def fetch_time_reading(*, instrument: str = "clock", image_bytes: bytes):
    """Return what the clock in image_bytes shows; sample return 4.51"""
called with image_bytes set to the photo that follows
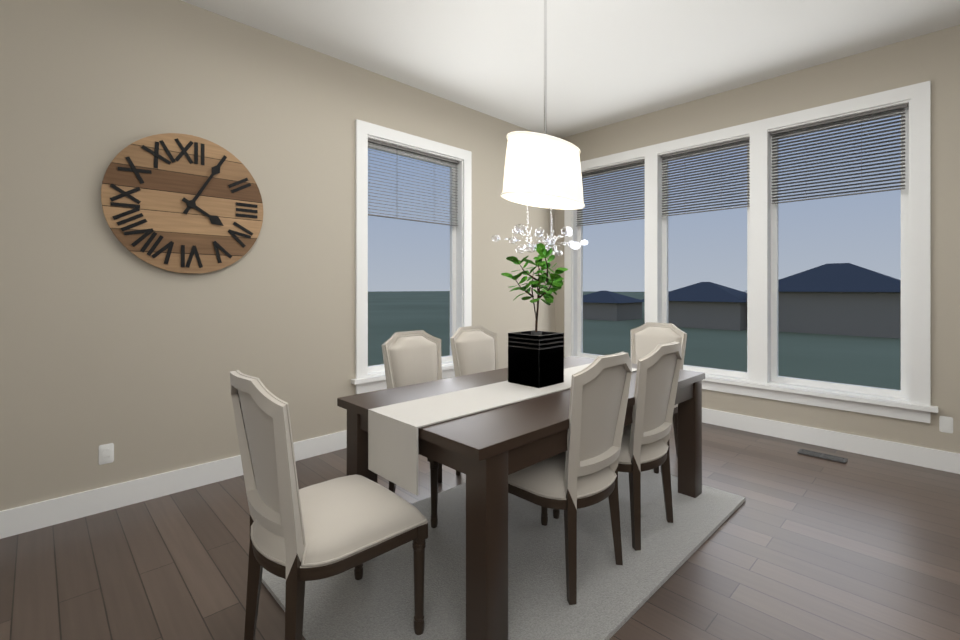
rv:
4.05
